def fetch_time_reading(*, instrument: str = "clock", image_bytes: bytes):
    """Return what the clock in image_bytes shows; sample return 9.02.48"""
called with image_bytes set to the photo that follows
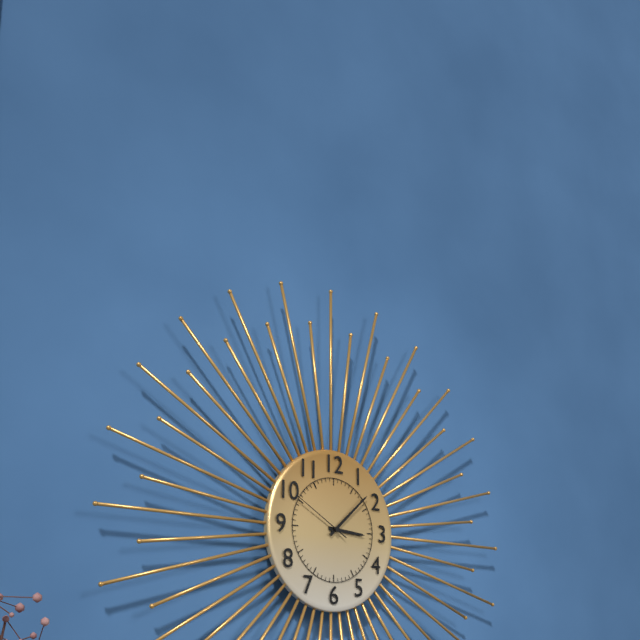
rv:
3.08.50
